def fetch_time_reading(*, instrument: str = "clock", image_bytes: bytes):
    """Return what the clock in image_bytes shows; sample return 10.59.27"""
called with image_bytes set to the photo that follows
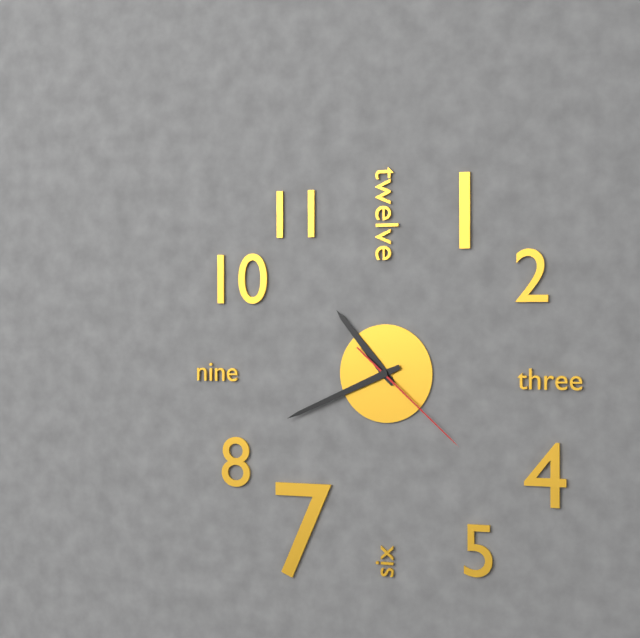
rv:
10.41.22
